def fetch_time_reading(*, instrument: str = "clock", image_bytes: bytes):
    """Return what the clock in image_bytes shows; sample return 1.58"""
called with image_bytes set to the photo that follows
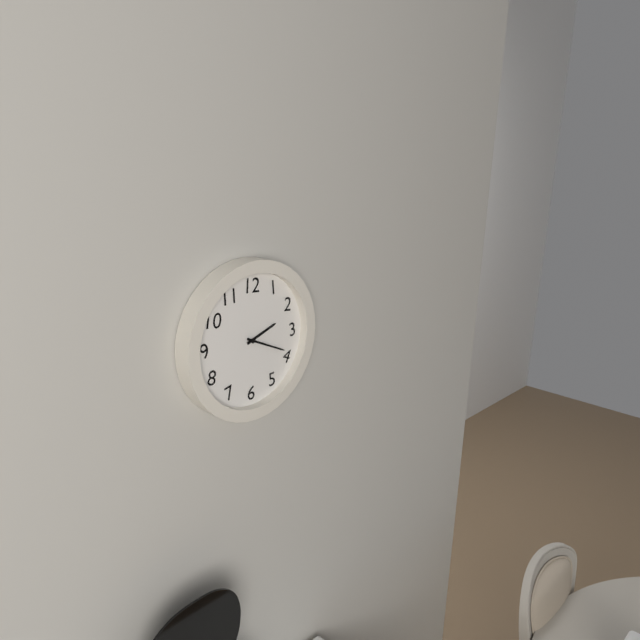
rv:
2.19
